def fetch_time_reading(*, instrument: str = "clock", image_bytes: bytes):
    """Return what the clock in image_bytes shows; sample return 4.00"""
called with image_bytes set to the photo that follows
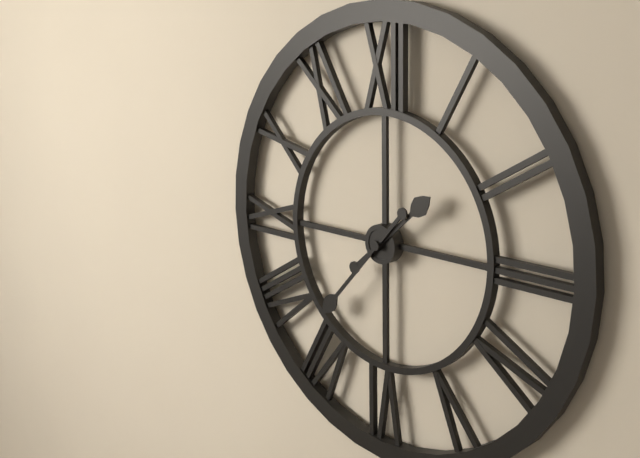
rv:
1.37
